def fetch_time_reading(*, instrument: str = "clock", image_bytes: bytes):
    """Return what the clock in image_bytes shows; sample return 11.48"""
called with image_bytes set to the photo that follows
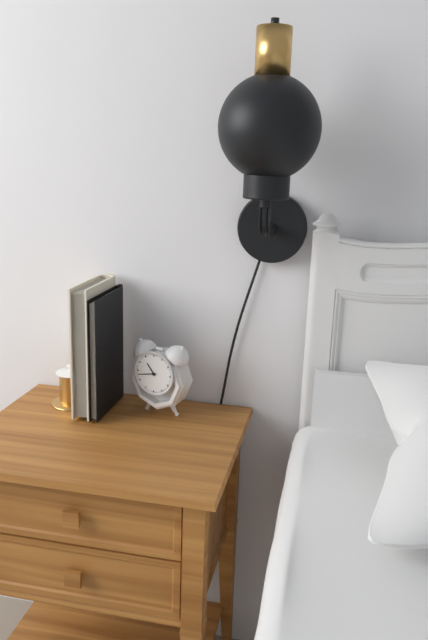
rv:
10.43
